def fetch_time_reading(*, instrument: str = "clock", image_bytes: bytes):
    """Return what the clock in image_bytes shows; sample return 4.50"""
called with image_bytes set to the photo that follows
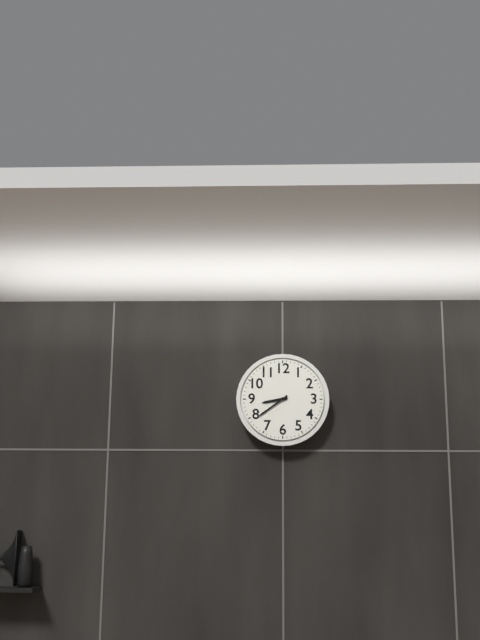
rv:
8.39
